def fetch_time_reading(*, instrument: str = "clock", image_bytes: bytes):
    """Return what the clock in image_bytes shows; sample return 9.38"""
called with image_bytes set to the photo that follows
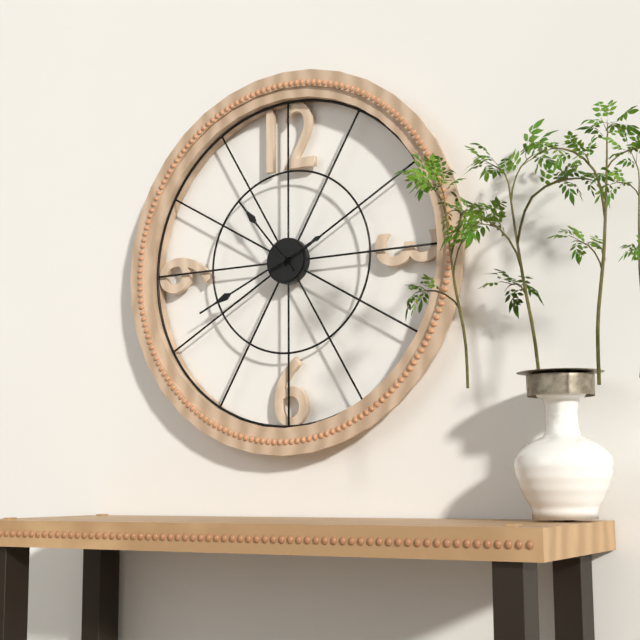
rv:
10.41
